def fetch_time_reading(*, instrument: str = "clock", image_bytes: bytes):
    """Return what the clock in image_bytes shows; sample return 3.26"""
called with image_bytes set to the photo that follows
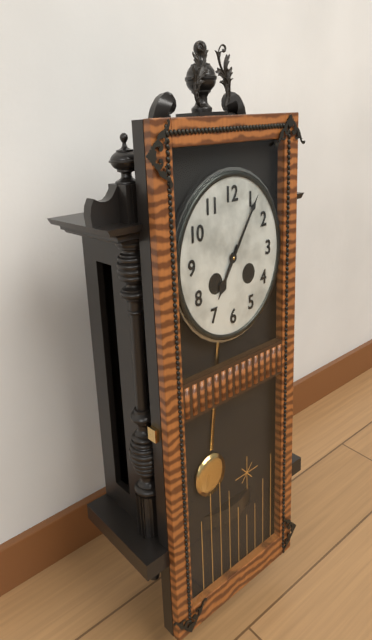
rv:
7.06
